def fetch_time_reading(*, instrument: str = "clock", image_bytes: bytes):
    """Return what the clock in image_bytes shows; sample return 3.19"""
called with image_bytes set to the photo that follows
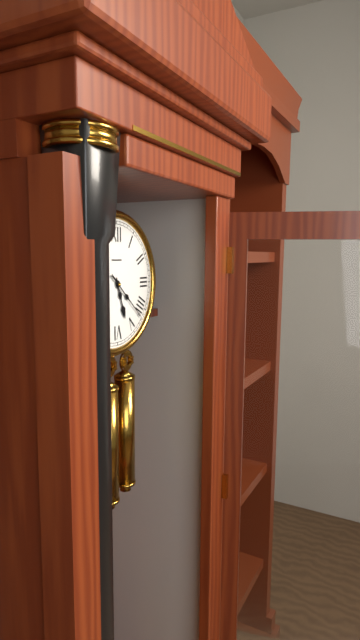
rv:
5.22
